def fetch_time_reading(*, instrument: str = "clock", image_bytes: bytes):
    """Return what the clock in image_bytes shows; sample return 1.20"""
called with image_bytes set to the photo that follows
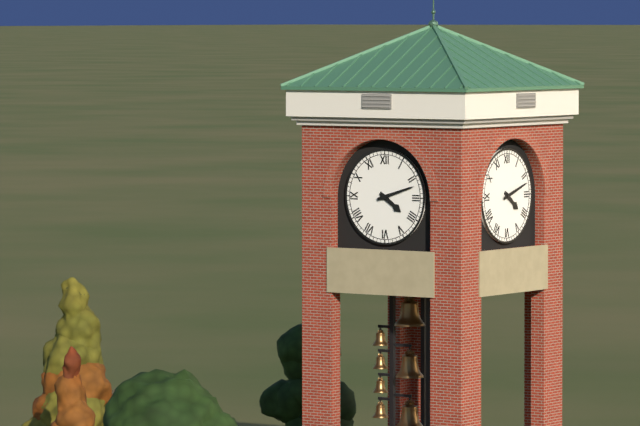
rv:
4.12
